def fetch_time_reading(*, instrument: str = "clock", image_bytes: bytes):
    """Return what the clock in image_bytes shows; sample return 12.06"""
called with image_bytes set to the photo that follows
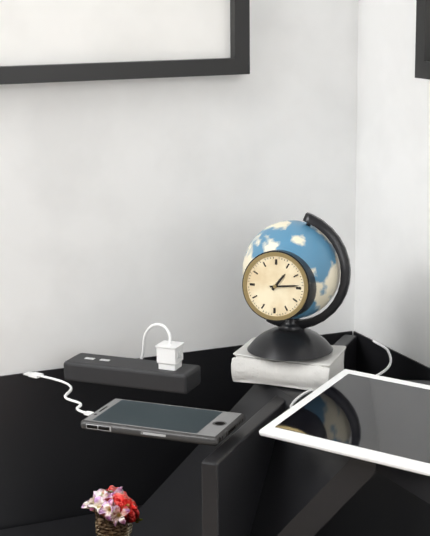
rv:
1.14
